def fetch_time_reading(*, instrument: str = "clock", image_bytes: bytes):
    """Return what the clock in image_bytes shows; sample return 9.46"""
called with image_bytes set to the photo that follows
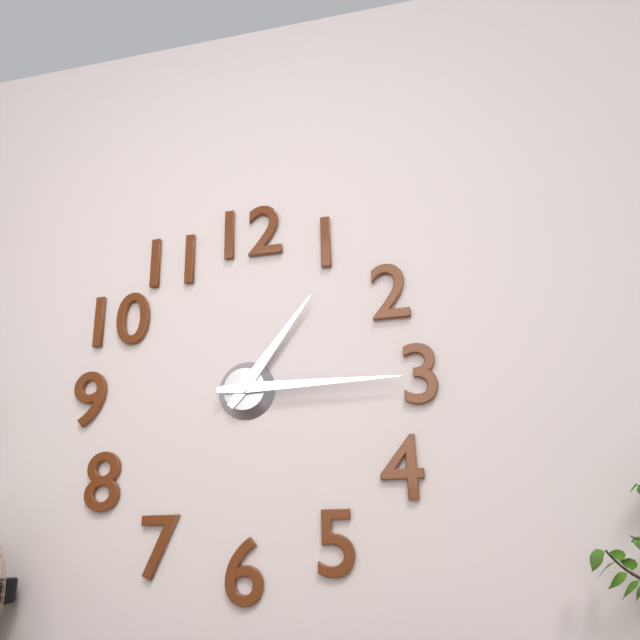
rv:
1.15
